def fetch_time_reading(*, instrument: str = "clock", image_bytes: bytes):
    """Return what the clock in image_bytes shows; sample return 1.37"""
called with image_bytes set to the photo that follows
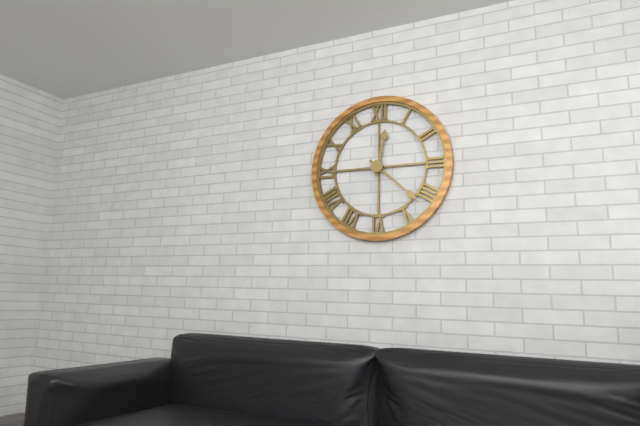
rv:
12.22
